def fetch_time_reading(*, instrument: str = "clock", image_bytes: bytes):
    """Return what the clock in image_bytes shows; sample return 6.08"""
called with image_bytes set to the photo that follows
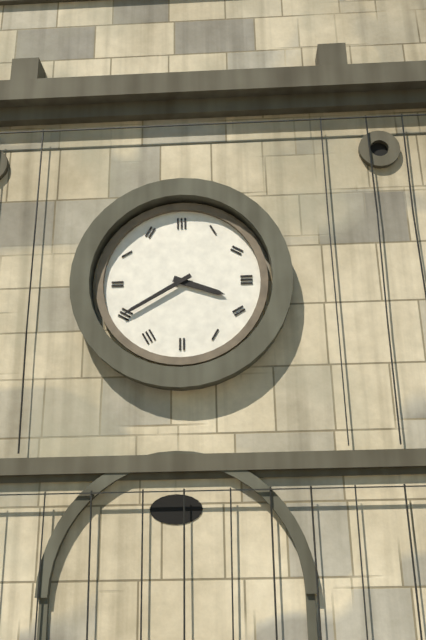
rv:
3.40
